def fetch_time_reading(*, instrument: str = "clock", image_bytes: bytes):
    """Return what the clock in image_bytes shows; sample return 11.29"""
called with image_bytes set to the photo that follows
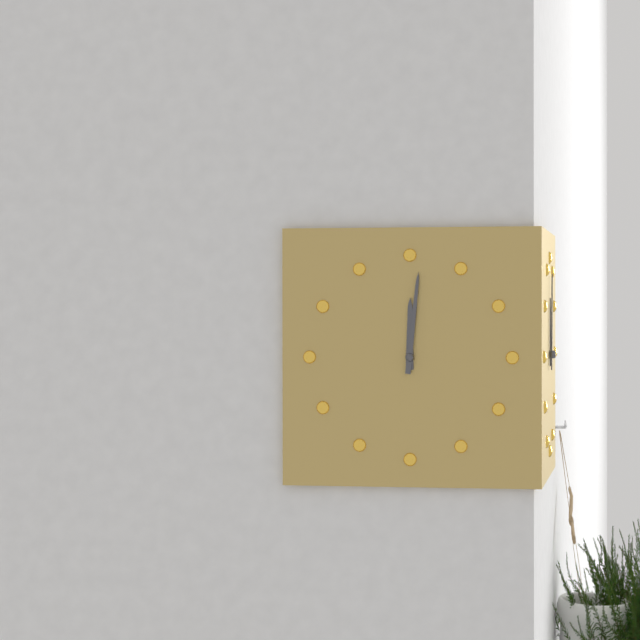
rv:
12.01
